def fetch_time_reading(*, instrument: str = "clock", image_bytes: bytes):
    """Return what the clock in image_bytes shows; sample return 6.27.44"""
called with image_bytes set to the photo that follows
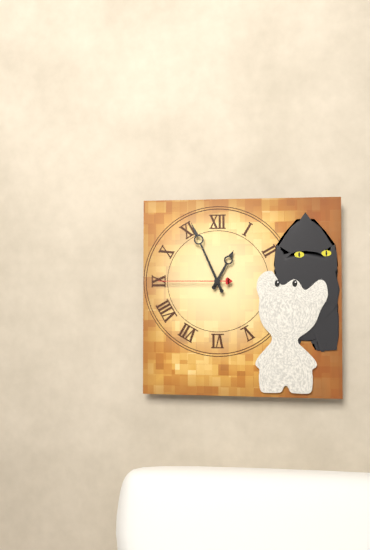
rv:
12.56.45
